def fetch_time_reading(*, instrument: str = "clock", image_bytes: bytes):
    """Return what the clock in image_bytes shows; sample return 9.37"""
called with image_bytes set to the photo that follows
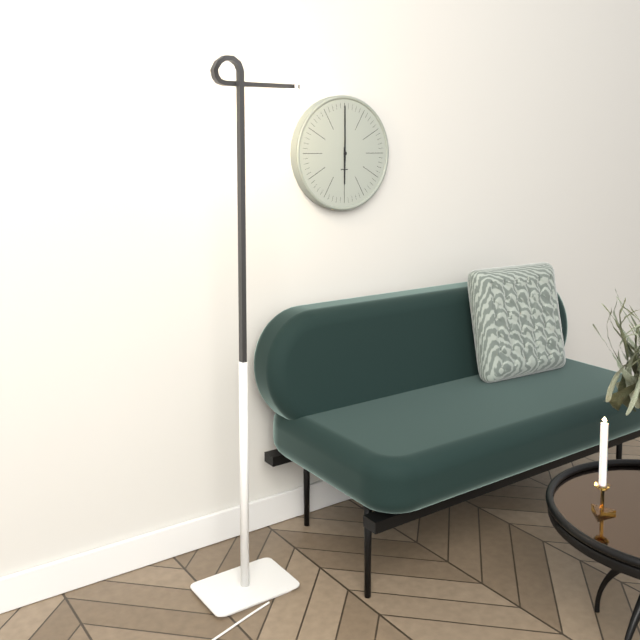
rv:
6.00
